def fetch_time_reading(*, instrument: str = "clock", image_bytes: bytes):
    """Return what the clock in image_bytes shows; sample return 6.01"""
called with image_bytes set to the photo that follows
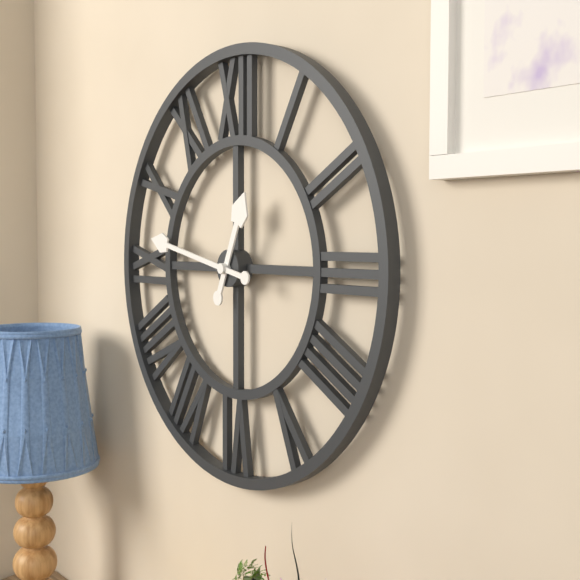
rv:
12.47
